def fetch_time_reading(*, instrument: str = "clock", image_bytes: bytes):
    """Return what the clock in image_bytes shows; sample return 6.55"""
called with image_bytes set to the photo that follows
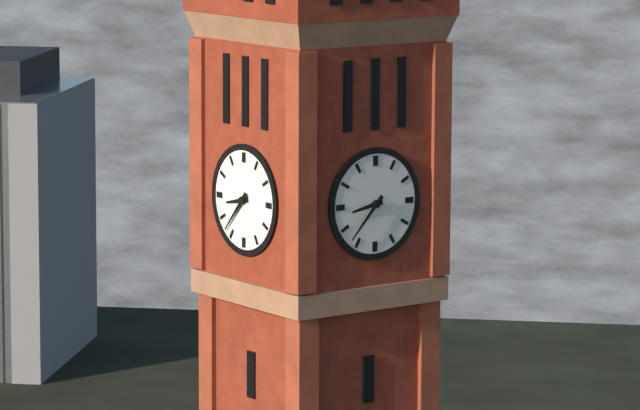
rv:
8.37
